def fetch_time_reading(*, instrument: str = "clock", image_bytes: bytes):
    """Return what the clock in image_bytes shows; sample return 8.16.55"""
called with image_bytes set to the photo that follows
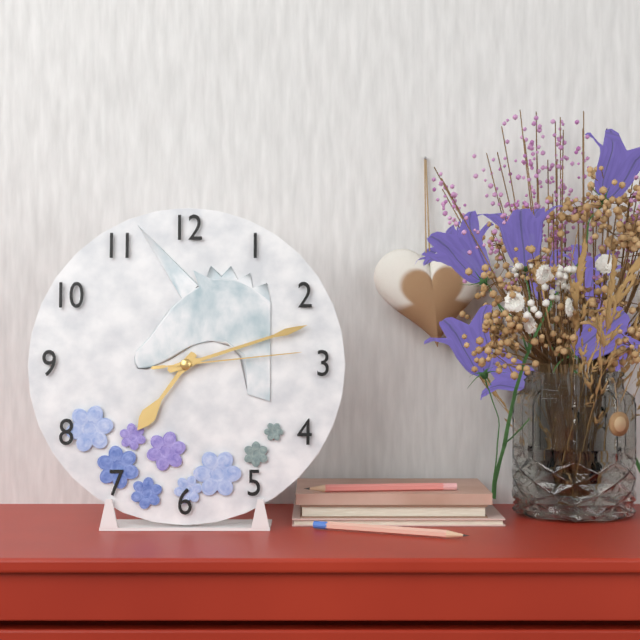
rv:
7.12.14
